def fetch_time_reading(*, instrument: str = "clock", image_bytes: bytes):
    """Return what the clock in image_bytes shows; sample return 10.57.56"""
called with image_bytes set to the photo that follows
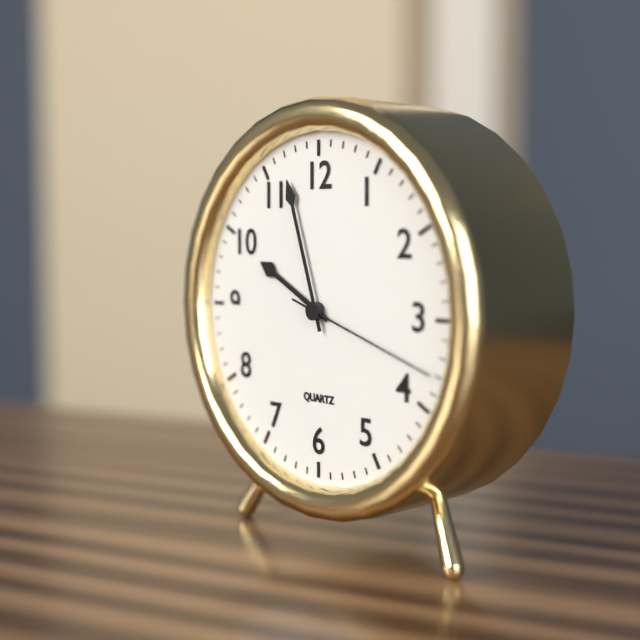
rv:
9.57.18
